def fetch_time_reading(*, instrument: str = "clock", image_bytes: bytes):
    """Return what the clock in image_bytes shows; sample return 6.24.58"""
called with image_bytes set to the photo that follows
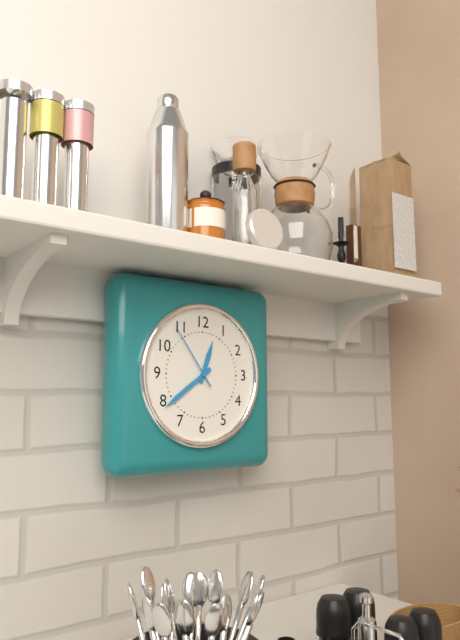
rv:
12.39.54
